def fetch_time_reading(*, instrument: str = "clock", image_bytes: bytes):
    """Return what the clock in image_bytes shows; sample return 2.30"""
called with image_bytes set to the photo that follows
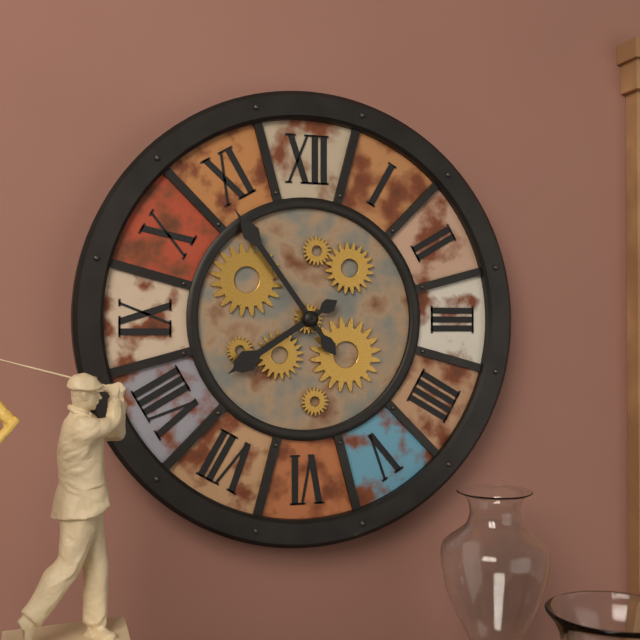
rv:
7.54
